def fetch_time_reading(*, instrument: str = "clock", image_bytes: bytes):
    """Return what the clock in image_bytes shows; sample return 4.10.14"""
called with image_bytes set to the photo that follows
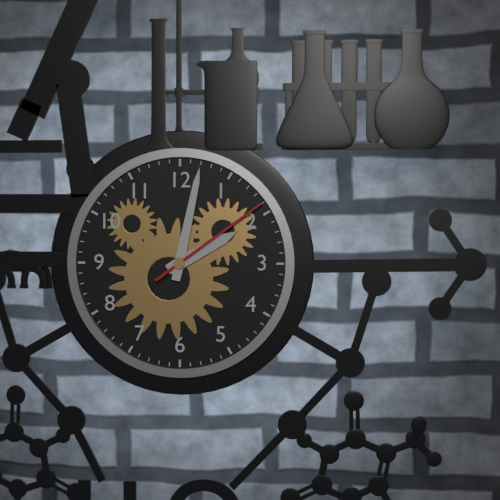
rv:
2.02.09
